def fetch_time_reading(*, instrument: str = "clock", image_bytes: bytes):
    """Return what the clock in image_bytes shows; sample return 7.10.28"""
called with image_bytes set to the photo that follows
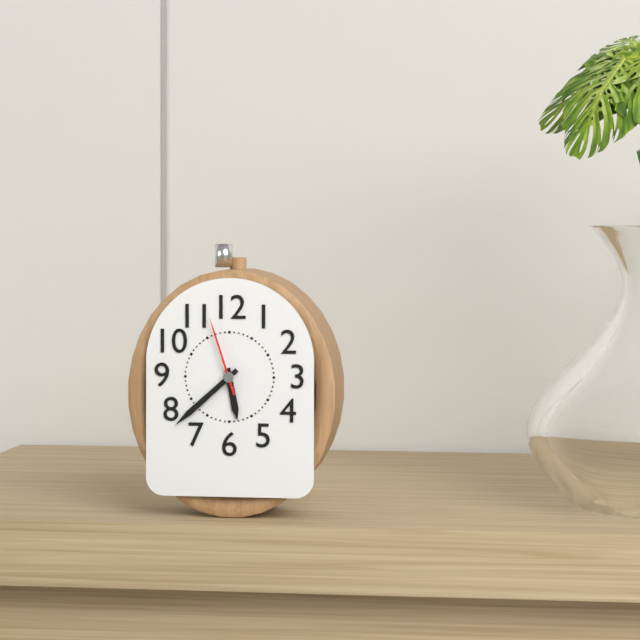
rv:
5.38.57
